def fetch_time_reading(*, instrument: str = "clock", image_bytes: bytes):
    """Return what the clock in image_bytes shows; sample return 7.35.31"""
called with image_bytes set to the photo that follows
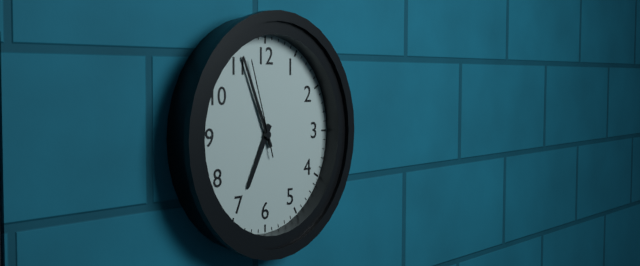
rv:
6.56.57
